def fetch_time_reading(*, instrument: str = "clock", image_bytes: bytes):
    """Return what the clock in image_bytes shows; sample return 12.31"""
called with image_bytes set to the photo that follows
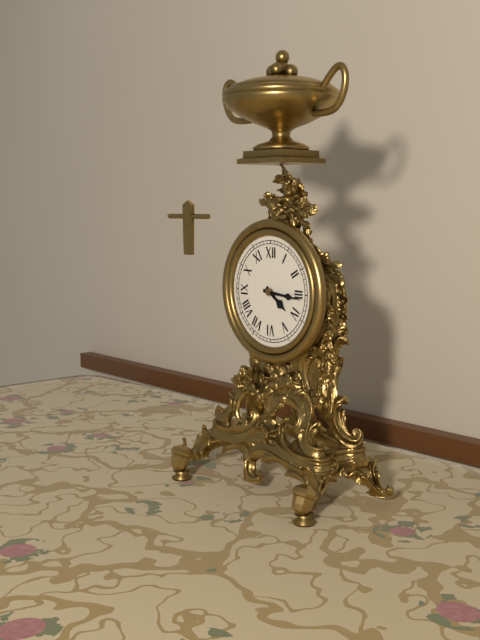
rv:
4.16
